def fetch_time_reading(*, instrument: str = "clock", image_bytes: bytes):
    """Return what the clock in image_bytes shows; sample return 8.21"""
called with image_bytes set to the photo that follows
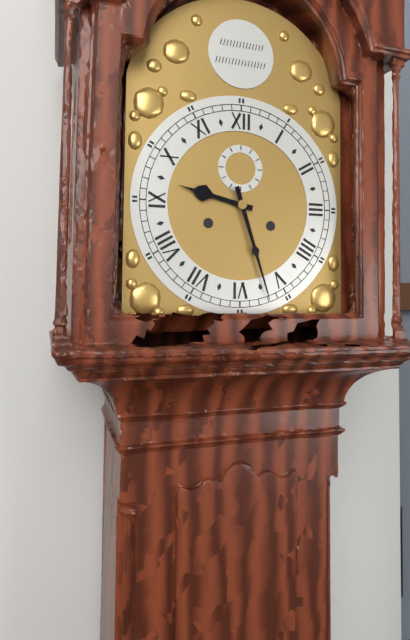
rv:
9.27
